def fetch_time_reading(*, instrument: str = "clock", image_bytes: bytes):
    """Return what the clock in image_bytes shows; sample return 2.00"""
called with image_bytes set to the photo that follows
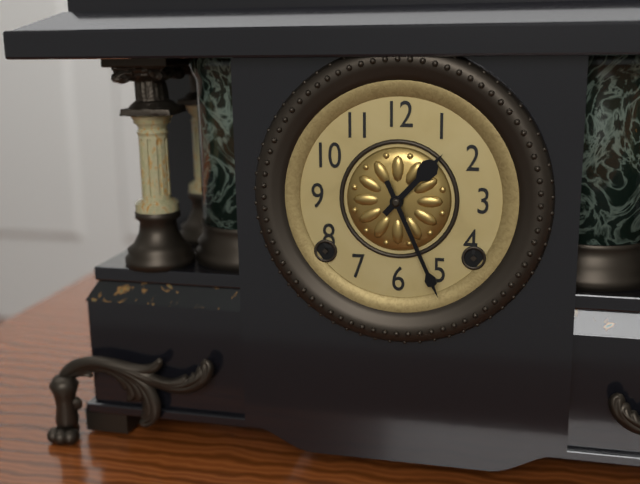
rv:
1.26
